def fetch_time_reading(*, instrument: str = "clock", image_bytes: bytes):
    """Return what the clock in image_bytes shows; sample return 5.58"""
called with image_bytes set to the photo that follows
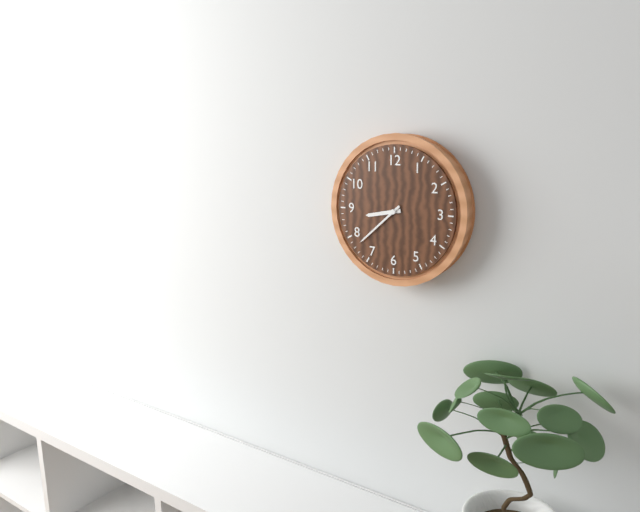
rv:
8.38
